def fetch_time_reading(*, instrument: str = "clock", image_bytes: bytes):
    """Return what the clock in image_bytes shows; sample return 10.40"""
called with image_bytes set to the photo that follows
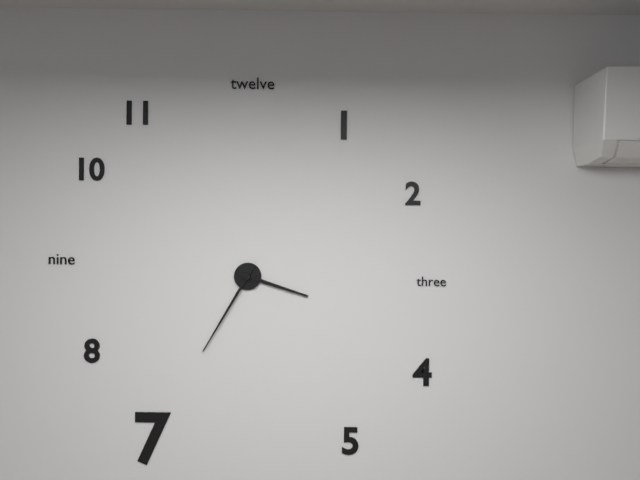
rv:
3.35
